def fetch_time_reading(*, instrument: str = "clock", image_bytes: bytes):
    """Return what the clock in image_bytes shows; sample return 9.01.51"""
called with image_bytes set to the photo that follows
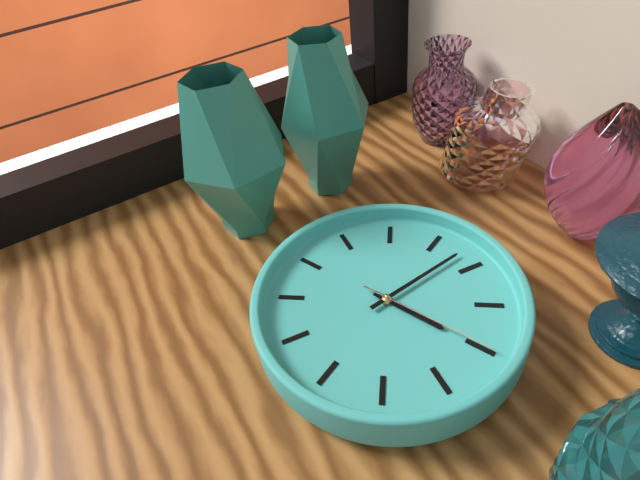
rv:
3.03.15
